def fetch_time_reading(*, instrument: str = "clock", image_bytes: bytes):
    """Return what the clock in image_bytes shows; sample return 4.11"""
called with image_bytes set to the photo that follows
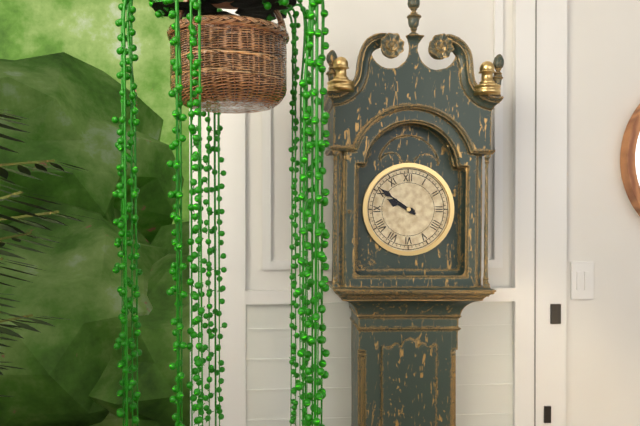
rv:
9.51
